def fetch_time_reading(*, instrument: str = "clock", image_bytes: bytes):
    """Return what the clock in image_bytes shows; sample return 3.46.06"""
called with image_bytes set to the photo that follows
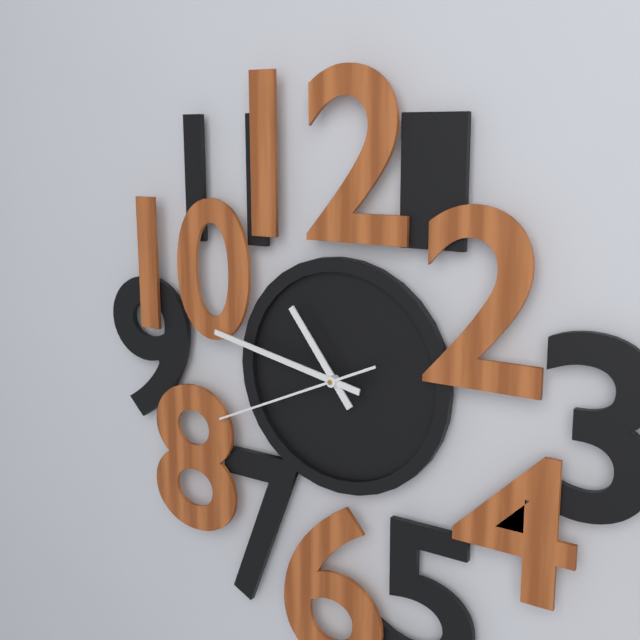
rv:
10.47.41
